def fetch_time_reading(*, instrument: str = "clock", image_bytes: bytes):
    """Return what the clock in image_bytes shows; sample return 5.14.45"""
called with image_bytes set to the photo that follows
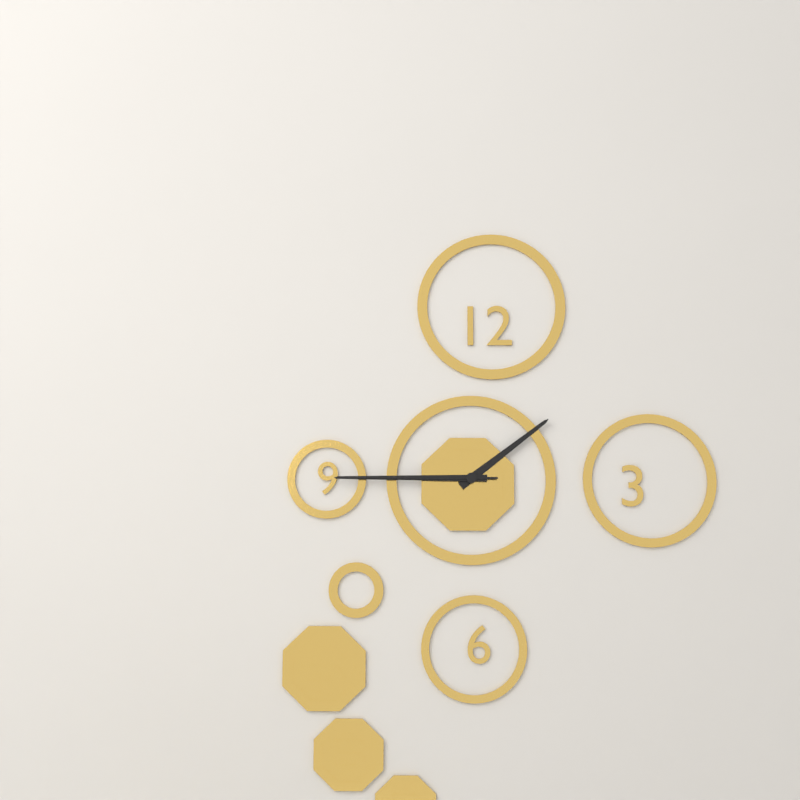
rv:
1.45.45
